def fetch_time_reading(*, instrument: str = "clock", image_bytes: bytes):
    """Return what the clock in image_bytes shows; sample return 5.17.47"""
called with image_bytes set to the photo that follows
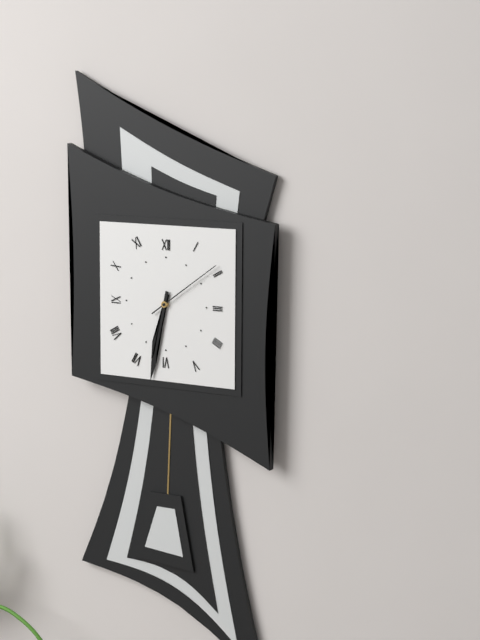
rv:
6.32.09
